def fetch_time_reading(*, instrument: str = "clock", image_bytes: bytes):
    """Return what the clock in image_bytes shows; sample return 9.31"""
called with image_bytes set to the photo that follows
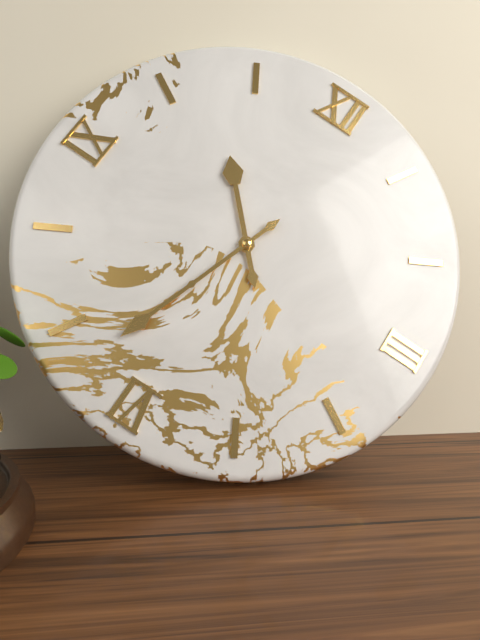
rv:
10.33
